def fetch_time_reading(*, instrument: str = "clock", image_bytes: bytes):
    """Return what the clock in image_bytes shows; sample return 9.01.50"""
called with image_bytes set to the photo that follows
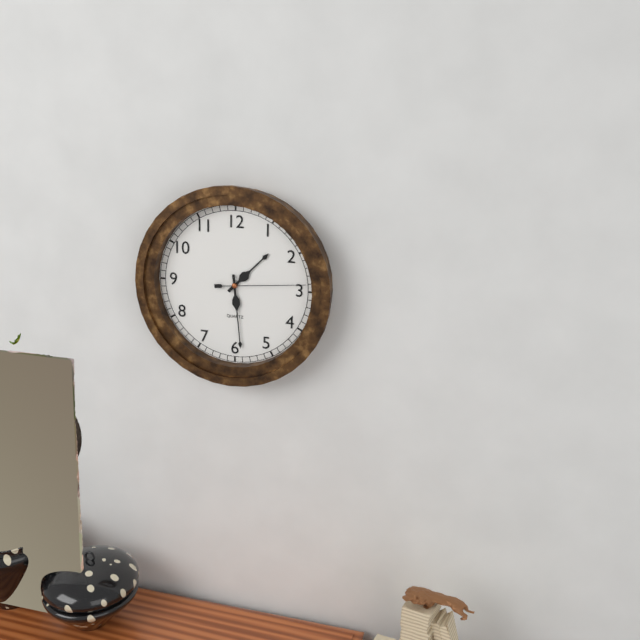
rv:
1.29.14
